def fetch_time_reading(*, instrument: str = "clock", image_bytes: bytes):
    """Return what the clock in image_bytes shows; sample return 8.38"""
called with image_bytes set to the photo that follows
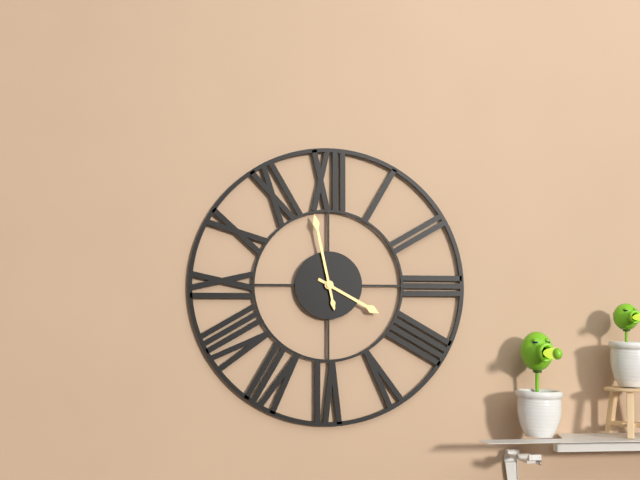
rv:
3.58
